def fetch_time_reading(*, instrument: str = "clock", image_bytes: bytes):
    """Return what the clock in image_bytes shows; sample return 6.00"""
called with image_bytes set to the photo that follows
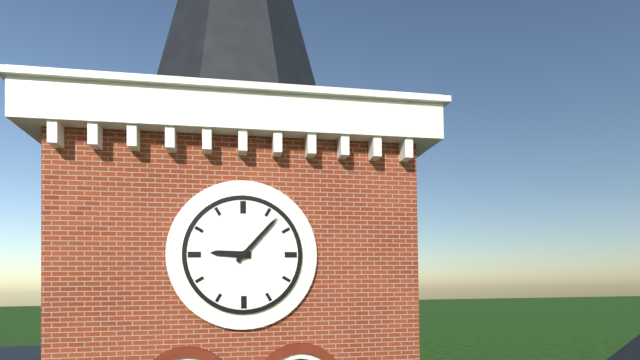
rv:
9.07
